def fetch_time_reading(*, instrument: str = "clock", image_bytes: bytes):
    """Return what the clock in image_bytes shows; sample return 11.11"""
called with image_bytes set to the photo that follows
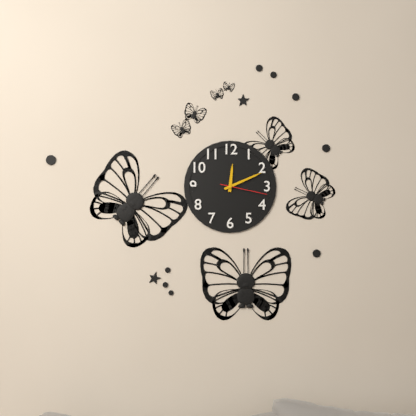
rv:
12.11
